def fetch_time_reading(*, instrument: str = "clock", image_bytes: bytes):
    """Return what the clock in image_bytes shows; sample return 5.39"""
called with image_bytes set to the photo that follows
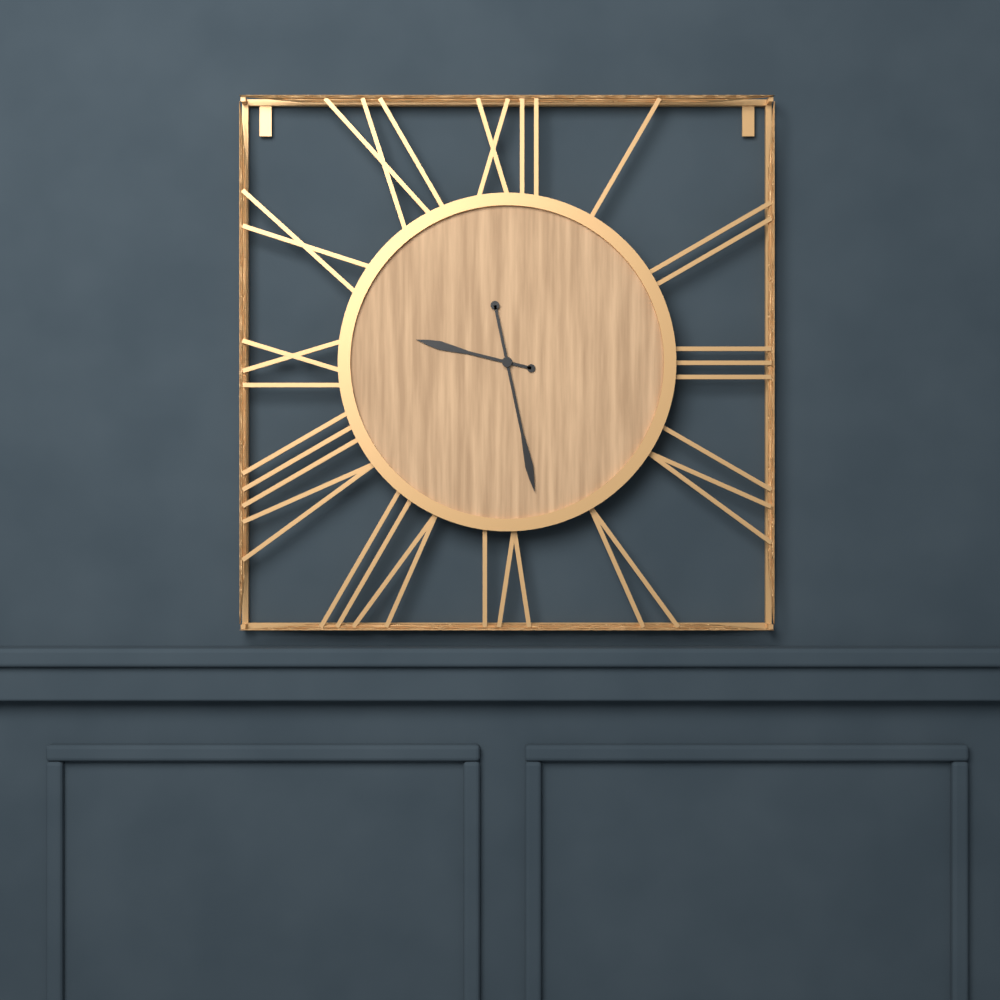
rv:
9.28
